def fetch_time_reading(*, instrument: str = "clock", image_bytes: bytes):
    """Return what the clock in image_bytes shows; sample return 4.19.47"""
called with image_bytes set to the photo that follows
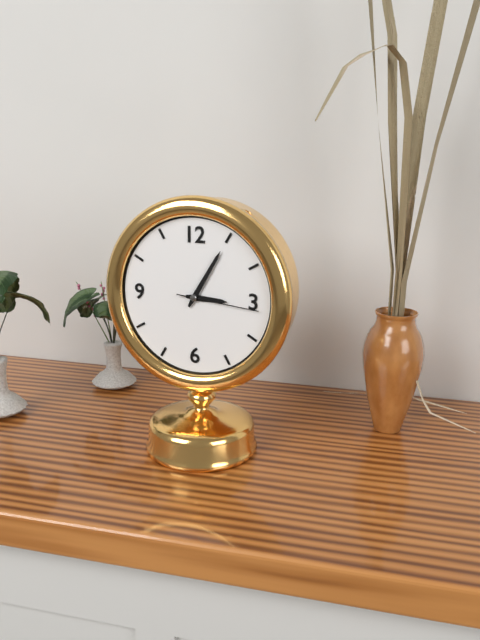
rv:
3.05.16
